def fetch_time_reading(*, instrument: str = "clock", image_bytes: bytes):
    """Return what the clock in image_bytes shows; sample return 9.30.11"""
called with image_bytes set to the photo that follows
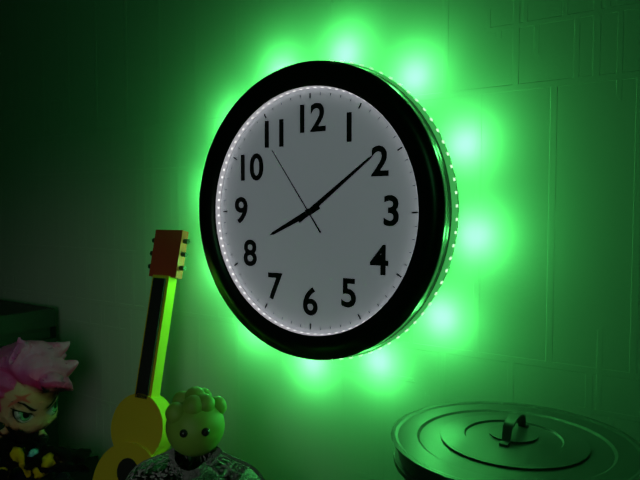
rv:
8.09.54
